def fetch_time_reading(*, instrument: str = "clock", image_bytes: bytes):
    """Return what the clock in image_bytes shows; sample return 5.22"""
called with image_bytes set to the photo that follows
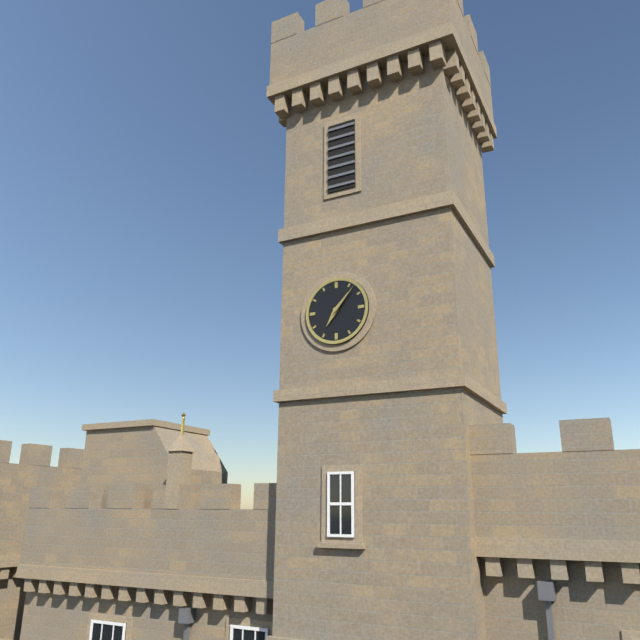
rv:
7.07
